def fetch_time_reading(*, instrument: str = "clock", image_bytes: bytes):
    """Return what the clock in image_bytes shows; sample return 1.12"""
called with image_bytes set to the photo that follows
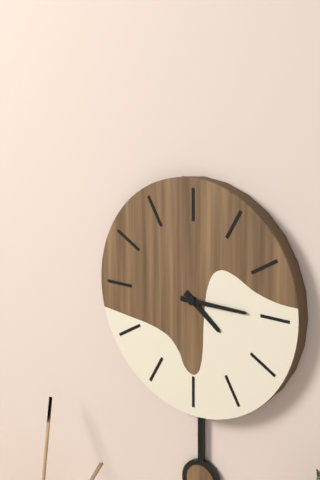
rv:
4.15
